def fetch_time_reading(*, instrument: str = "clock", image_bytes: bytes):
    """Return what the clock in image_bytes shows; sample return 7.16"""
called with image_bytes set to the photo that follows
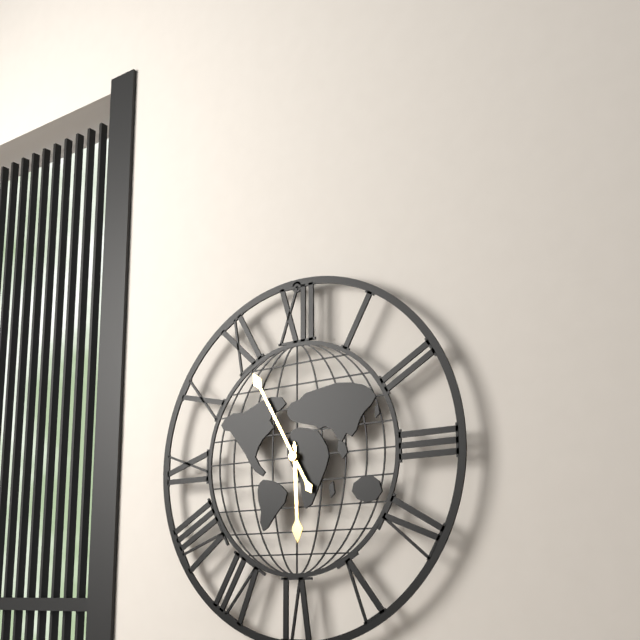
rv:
5.55
